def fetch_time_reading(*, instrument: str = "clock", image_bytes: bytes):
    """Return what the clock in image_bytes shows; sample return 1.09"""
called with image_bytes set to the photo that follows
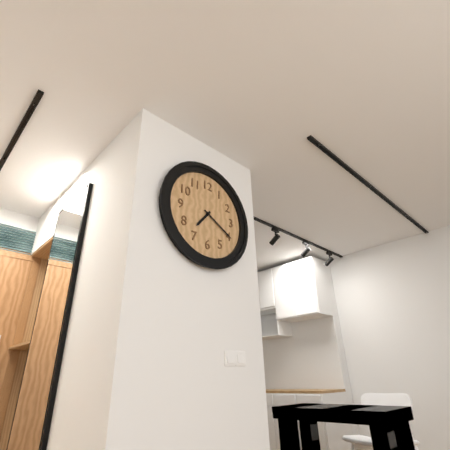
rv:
7.20
